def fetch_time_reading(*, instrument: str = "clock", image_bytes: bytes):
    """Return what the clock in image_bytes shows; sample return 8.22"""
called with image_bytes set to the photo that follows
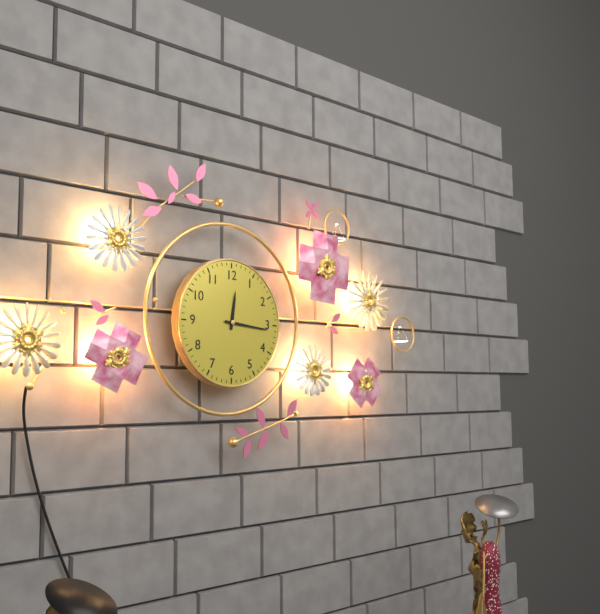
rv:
12.16
